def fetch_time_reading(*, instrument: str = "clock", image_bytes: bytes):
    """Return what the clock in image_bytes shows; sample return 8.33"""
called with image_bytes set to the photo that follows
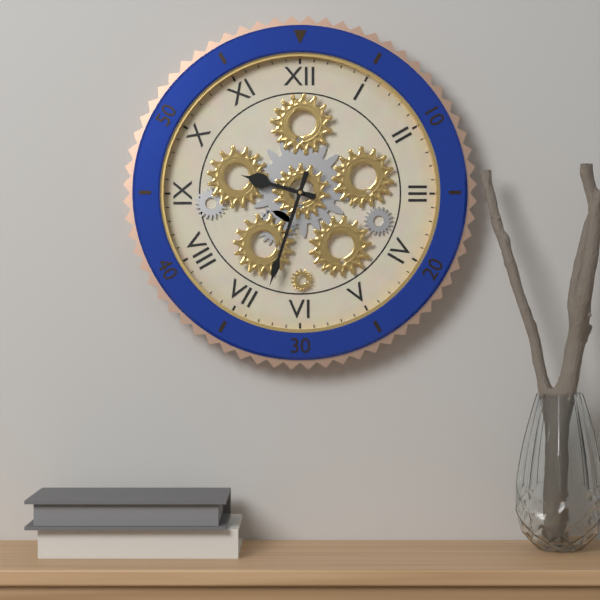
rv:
9.33
